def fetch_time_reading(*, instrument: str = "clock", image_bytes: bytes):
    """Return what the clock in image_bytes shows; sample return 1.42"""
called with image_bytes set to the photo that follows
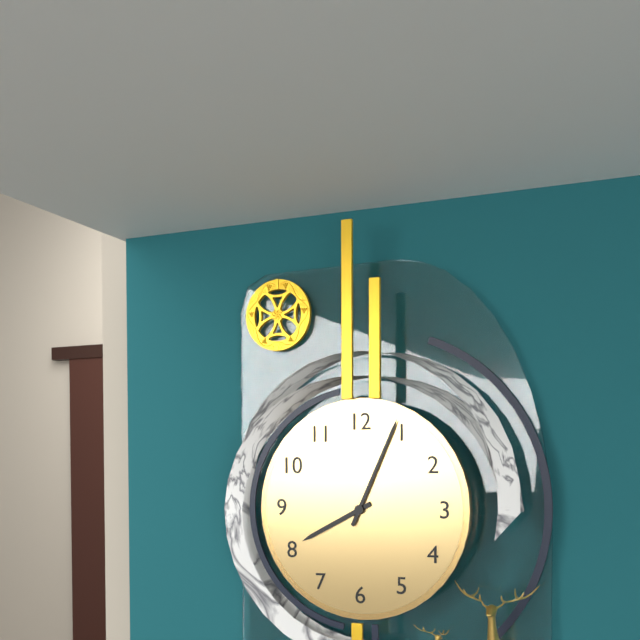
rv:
8.04
